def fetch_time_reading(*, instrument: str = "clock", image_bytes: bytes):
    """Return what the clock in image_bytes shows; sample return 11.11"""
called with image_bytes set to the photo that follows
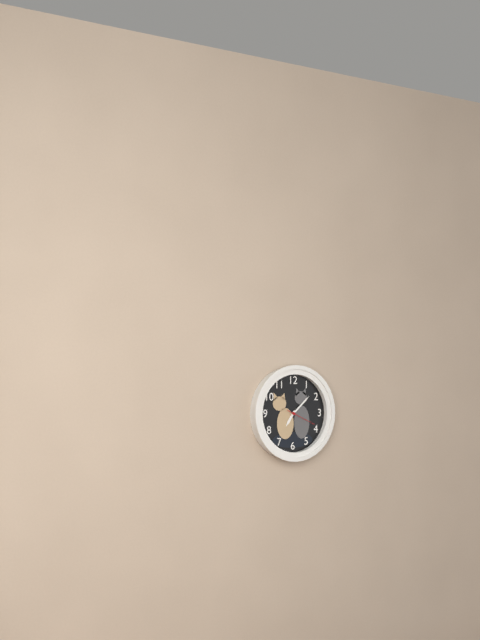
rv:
7.08
